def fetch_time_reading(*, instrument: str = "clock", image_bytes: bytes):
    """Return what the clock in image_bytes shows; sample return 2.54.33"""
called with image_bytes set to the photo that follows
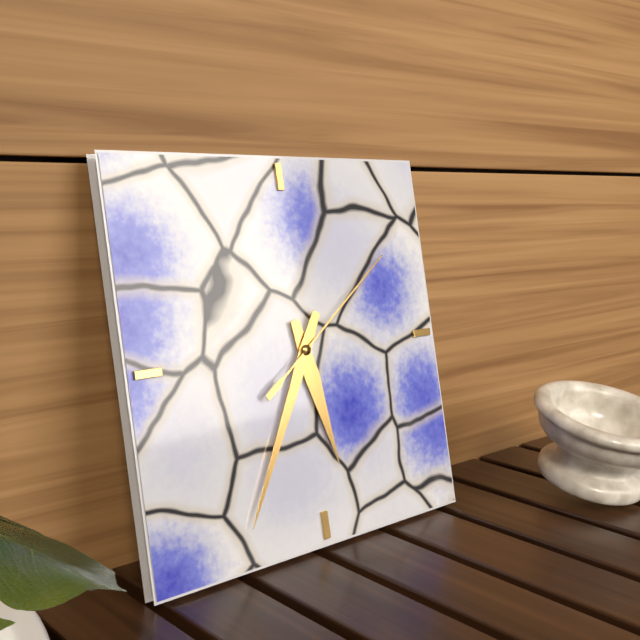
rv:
5.35.09
